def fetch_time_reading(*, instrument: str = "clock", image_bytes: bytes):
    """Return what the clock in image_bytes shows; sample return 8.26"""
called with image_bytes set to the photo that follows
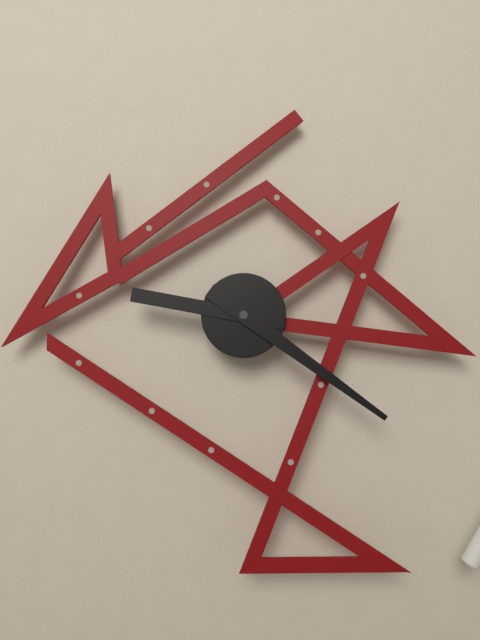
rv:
9.21
